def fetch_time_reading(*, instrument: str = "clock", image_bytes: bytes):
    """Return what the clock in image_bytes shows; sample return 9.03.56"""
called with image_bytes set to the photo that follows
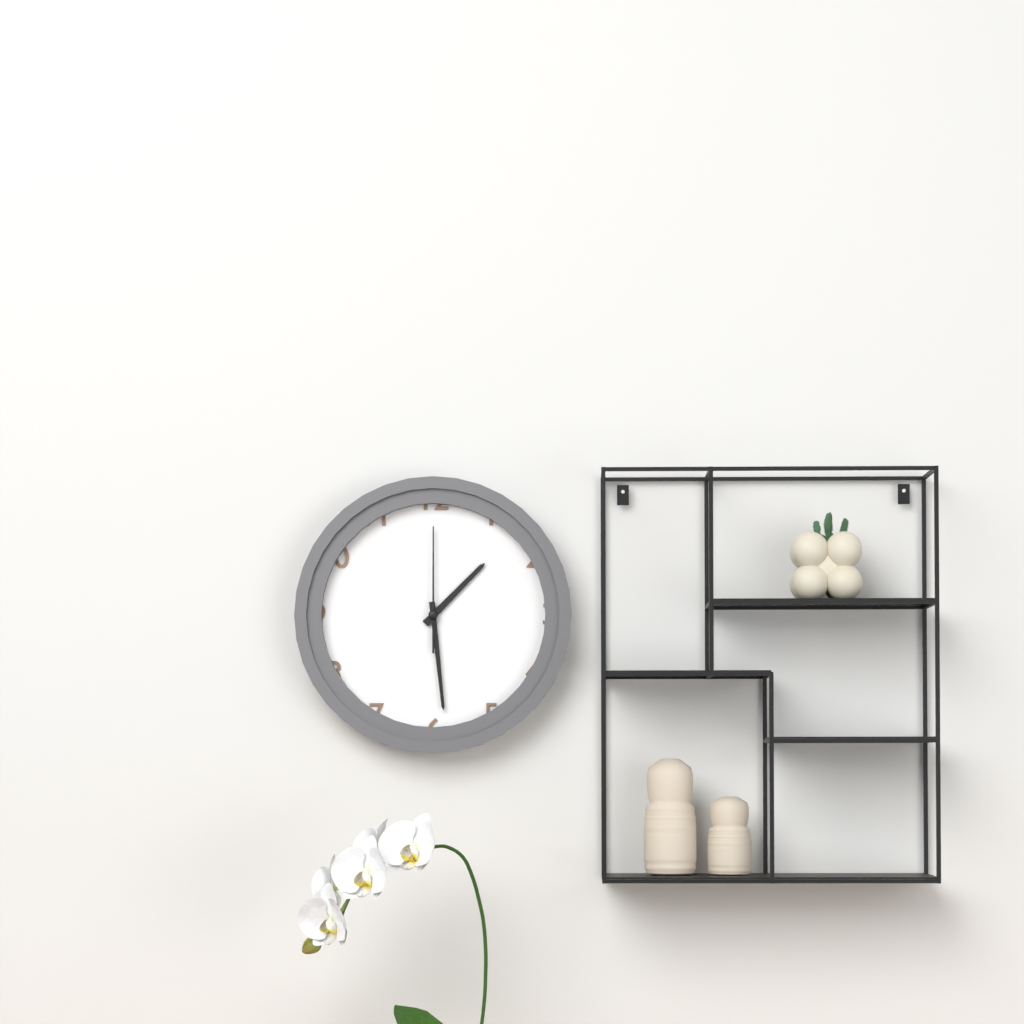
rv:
1.29.00
